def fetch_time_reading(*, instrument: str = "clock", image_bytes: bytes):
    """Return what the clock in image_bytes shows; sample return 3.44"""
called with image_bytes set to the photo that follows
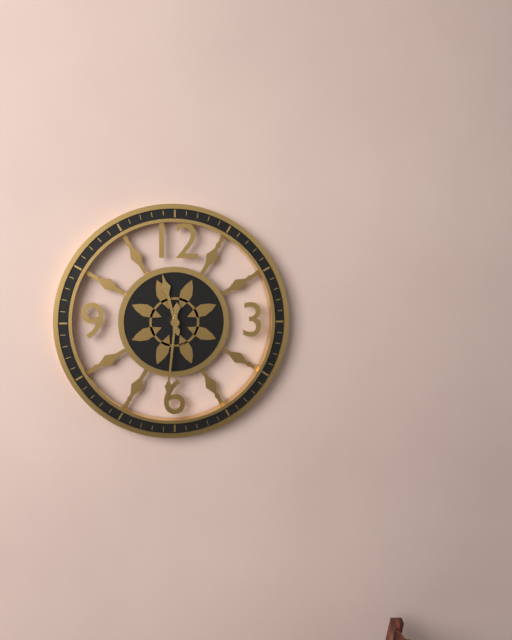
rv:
11.31
